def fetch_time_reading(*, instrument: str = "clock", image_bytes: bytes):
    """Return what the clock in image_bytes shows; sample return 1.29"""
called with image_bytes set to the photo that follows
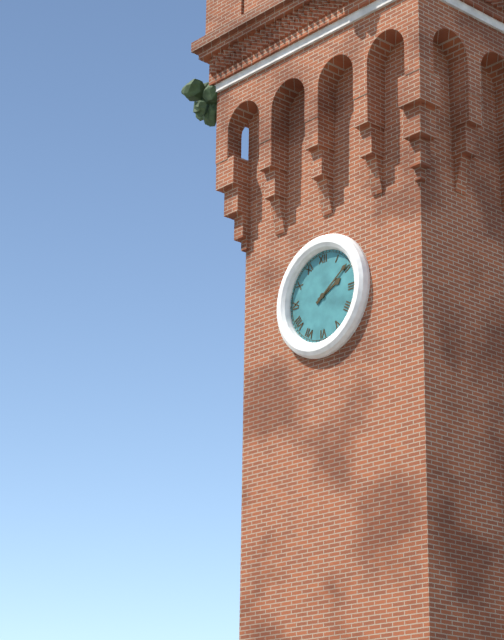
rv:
2.09
